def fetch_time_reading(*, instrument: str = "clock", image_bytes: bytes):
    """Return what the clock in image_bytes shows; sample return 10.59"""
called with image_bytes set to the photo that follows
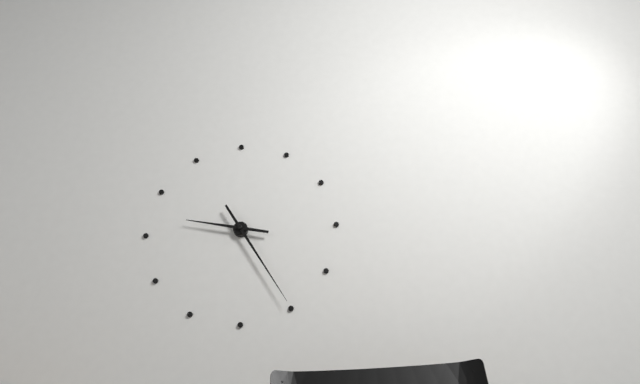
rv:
9.25
